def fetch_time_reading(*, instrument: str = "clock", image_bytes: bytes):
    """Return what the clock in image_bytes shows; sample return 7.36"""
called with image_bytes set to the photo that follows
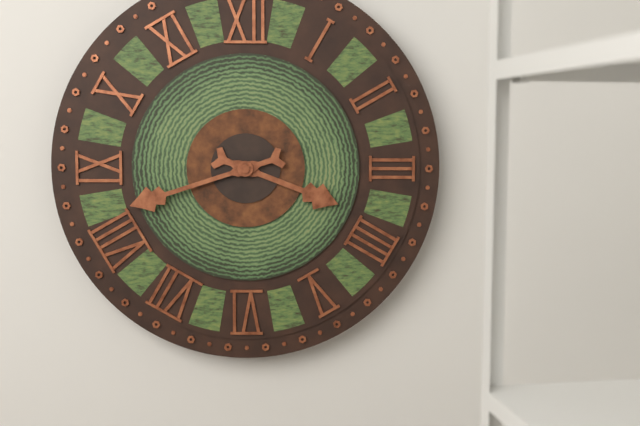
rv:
3.42
